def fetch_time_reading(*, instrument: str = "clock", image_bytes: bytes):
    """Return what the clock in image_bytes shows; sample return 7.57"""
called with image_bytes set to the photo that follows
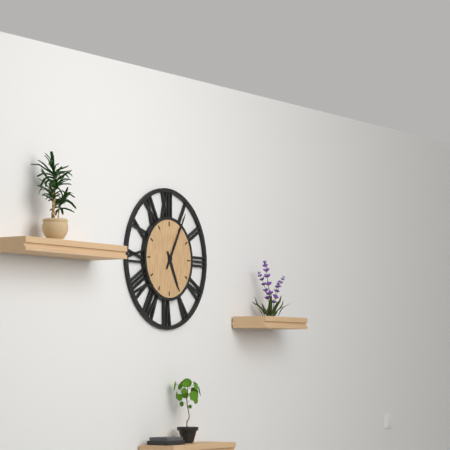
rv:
5.05
